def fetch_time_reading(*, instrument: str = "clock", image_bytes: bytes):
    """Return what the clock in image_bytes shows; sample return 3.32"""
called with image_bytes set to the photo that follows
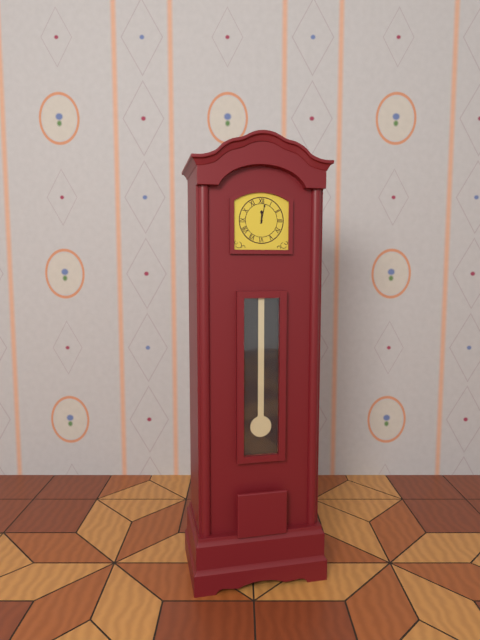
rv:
12.02
